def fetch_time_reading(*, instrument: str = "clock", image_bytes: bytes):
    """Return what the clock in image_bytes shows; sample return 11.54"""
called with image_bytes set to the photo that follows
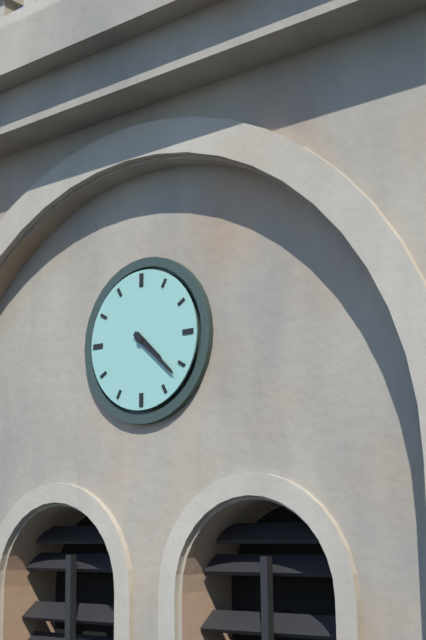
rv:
4.22
